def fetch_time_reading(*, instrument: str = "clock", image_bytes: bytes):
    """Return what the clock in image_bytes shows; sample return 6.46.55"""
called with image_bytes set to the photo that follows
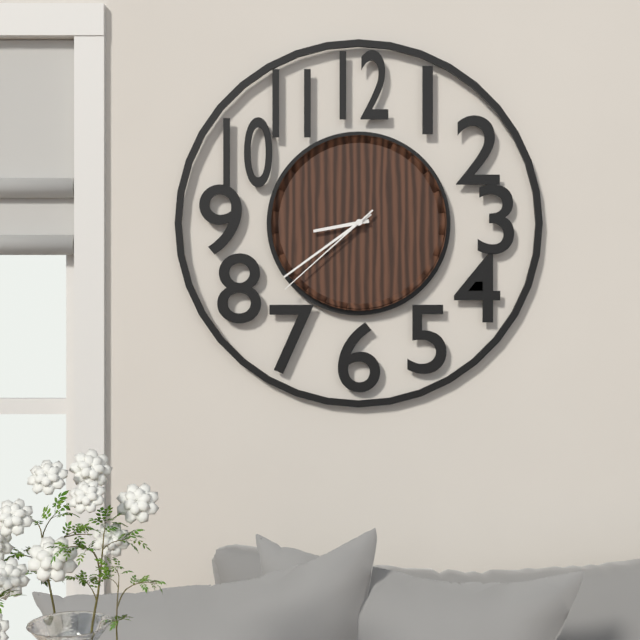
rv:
8.39.38
